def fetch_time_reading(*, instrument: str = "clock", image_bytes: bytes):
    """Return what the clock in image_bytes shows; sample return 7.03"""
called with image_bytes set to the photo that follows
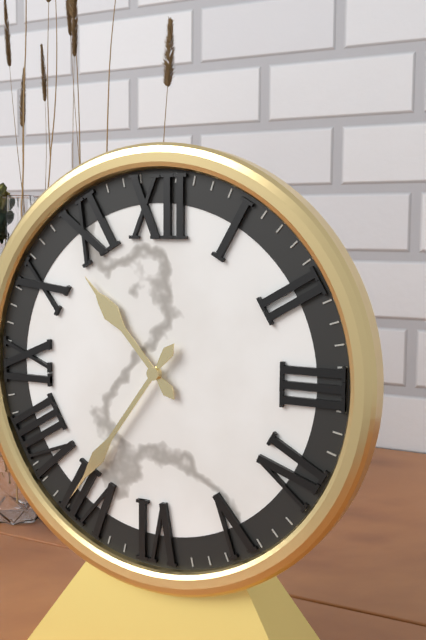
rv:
10.36
